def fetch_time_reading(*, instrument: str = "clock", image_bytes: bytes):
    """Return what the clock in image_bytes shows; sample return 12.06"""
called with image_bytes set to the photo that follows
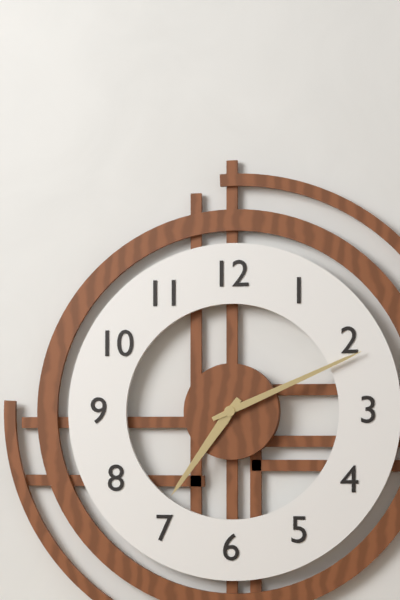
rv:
7.11
